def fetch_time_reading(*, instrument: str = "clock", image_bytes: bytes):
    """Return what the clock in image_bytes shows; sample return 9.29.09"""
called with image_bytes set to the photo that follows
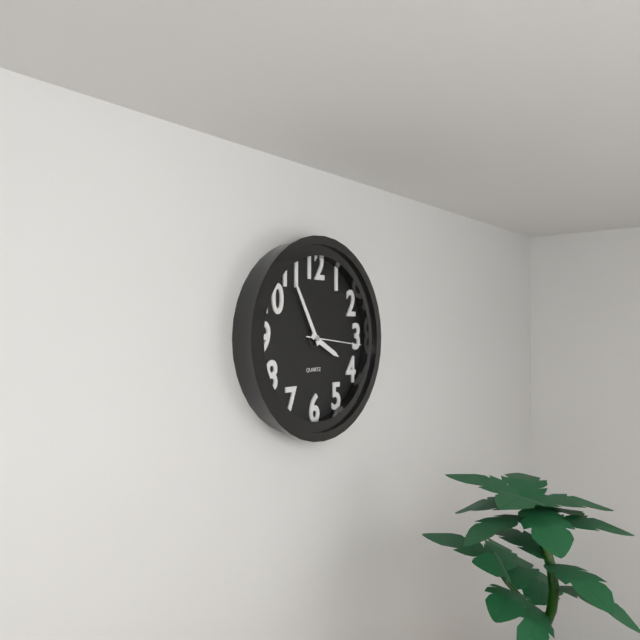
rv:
3.55.16
